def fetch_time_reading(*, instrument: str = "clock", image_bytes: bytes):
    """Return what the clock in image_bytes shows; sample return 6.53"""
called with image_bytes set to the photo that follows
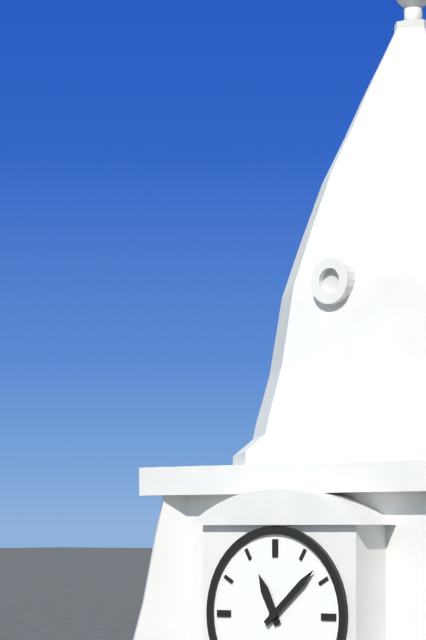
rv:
11.08
